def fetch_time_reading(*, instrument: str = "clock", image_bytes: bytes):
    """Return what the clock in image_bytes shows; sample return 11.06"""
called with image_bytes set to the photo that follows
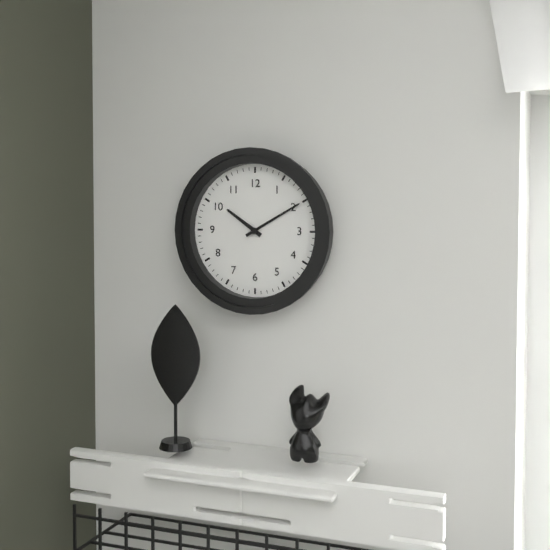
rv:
10.10
